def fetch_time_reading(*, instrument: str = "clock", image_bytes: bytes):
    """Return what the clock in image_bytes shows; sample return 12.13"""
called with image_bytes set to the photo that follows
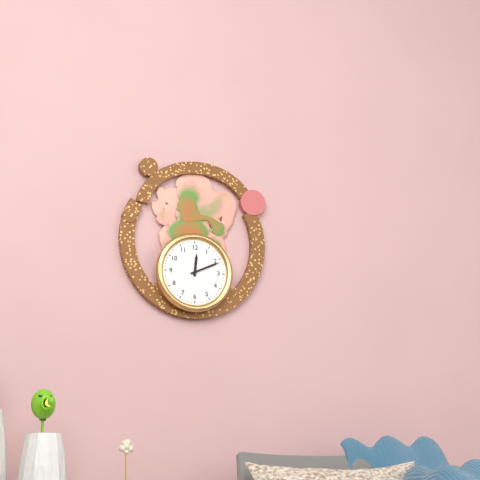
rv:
12.11
